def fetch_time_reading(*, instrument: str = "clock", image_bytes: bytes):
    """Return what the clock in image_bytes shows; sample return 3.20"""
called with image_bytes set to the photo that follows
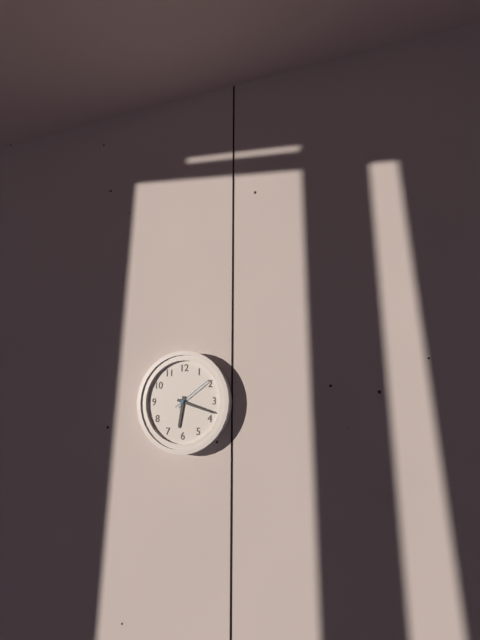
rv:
6.18
